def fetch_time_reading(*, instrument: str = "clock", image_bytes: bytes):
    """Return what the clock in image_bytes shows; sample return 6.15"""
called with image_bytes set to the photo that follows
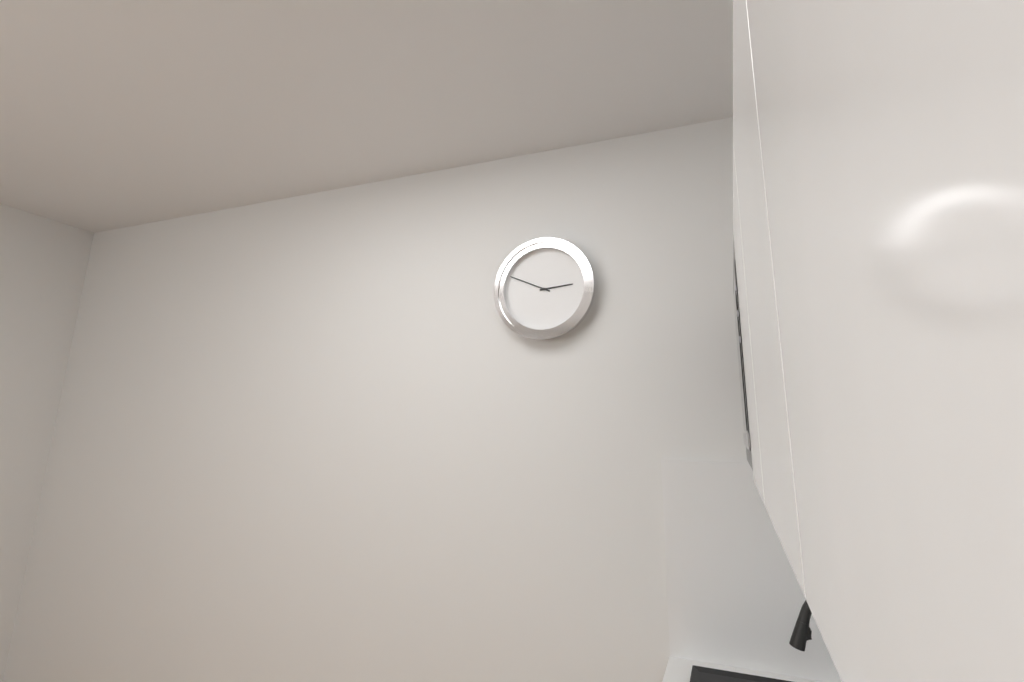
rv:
2.49
